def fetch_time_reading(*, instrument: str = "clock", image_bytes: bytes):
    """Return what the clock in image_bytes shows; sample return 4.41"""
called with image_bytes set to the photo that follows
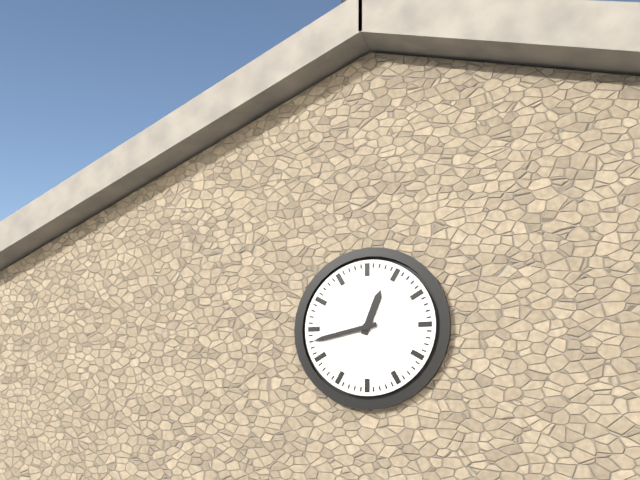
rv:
12.43
